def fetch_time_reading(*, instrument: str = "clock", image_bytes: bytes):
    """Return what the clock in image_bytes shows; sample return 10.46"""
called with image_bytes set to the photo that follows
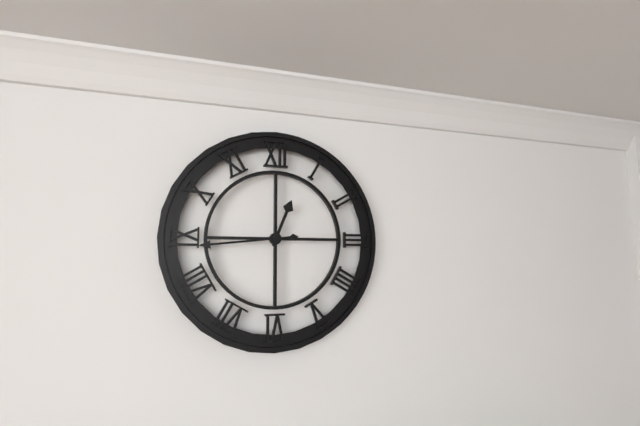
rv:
12.44
